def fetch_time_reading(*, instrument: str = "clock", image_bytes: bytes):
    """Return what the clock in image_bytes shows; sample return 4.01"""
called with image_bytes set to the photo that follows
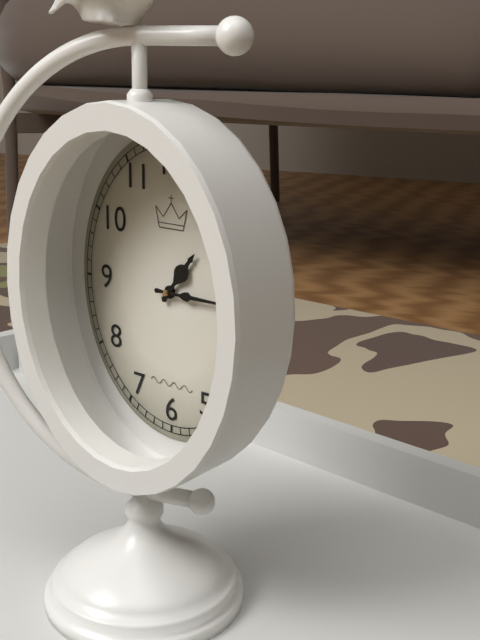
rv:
1.15
